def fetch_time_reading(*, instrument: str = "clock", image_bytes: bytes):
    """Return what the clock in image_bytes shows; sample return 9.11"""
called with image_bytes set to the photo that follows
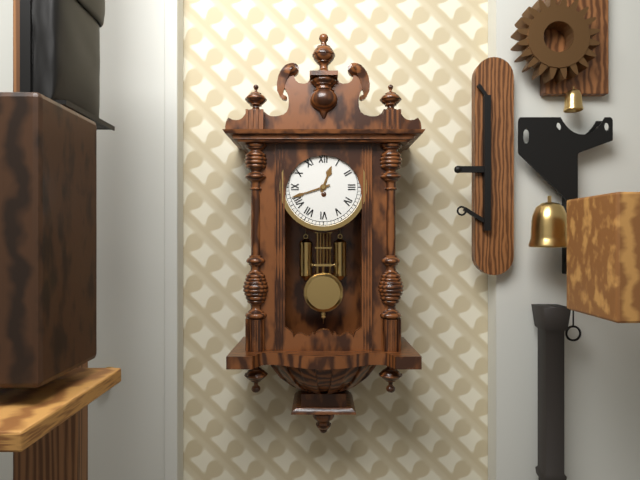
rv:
12.42
